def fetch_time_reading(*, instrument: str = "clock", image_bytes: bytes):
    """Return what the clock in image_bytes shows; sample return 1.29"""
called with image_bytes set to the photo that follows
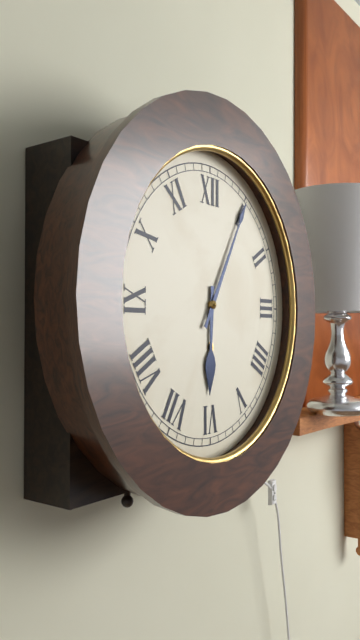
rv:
6.05
